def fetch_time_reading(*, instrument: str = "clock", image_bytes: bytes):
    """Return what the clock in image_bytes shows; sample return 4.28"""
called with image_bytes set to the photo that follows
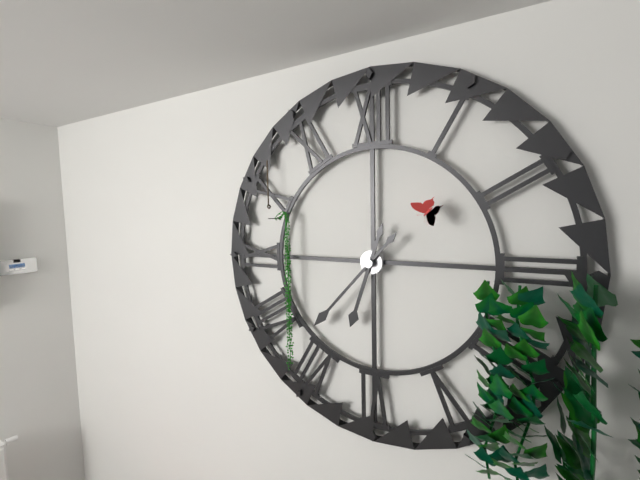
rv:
6.37
